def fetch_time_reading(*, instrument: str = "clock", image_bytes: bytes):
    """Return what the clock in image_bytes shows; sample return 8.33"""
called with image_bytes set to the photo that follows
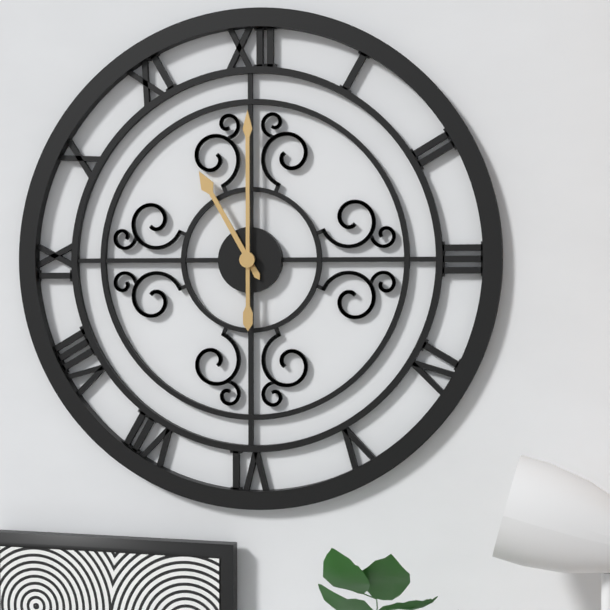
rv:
11.00
